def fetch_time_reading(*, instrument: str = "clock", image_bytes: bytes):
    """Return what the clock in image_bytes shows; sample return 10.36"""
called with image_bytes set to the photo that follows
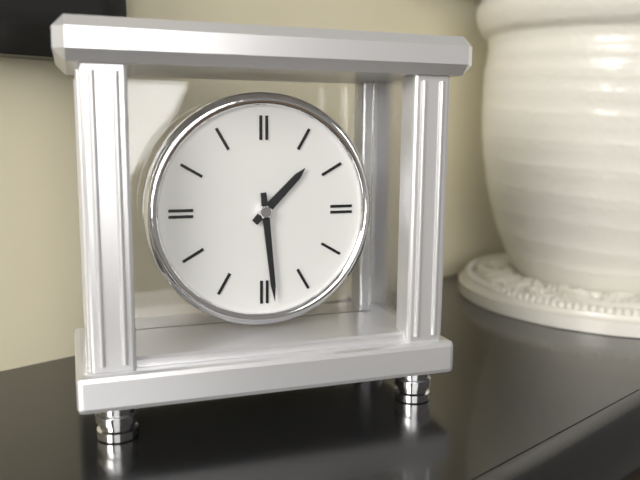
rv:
1.29
